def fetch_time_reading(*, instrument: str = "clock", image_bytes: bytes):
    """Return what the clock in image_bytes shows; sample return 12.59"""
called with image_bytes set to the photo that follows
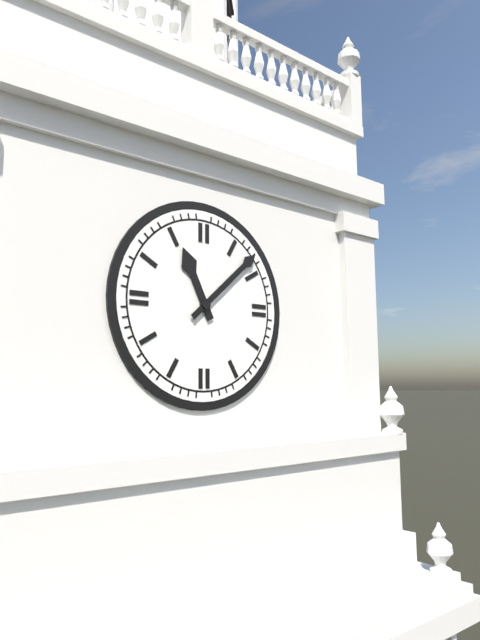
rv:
11.08
